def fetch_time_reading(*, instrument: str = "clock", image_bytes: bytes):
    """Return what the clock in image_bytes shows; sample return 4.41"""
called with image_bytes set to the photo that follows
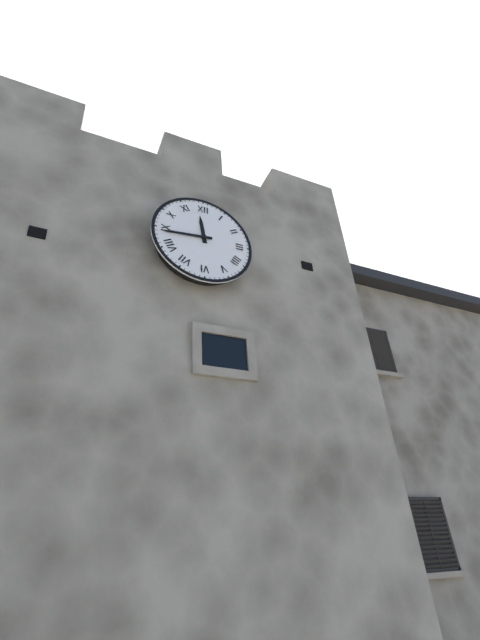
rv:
11.44
